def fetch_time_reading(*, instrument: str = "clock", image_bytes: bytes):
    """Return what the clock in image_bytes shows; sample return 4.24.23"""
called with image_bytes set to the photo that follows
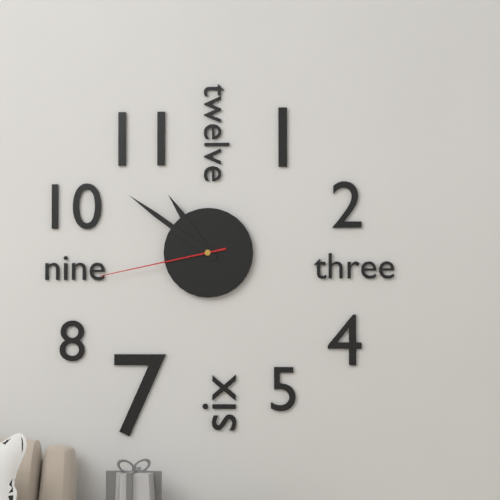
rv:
10.51.43
